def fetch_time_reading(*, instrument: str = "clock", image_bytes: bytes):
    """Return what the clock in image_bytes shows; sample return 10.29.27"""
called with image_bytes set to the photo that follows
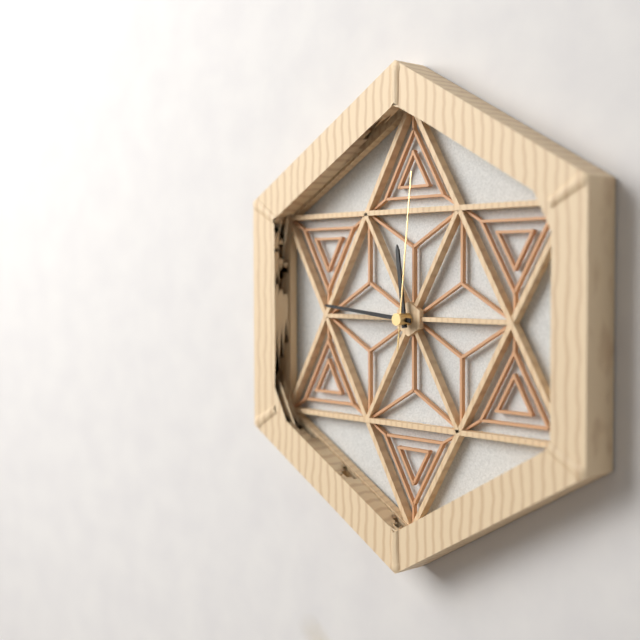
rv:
11.46.01
